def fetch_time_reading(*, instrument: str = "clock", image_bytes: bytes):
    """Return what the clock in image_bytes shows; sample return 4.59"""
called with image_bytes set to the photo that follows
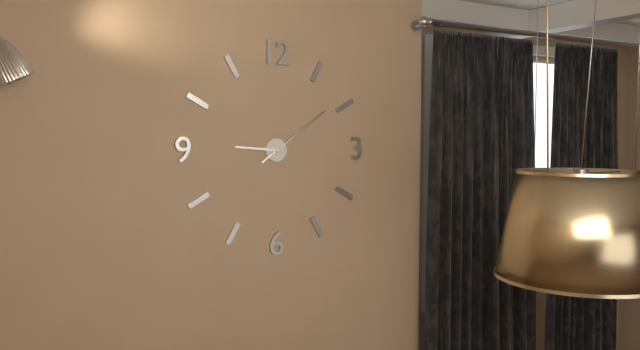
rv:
9.09
